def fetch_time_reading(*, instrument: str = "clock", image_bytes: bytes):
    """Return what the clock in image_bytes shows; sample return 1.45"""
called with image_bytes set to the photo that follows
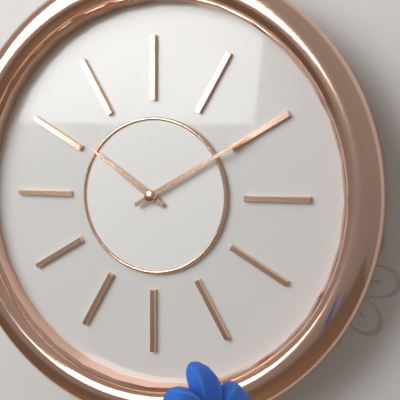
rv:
10.10
